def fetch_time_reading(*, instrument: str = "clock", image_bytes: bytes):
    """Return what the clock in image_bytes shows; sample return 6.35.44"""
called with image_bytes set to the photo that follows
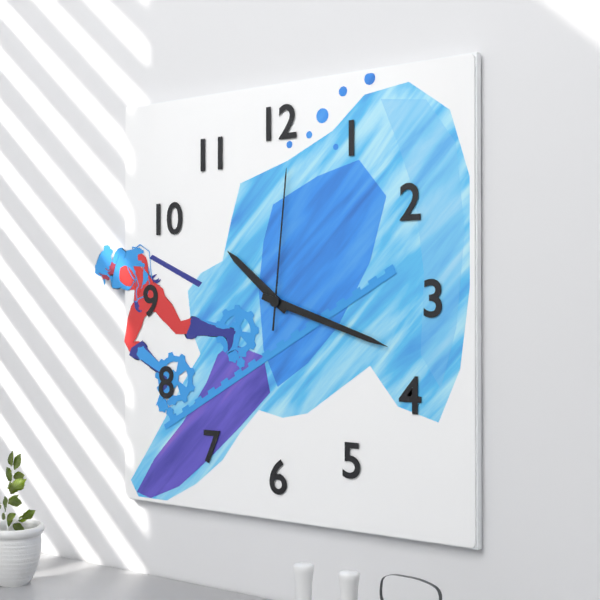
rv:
10.18.01
